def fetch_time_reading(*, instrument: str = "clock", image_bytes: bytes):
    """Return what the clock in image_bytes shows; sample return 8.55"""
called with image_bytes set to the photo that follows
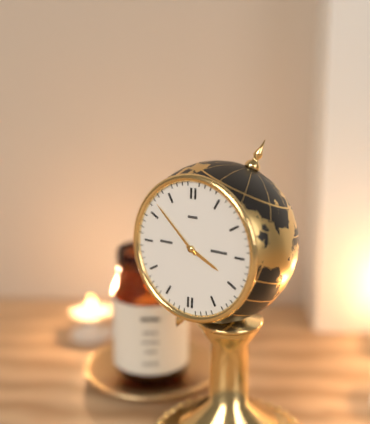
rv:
3.52
